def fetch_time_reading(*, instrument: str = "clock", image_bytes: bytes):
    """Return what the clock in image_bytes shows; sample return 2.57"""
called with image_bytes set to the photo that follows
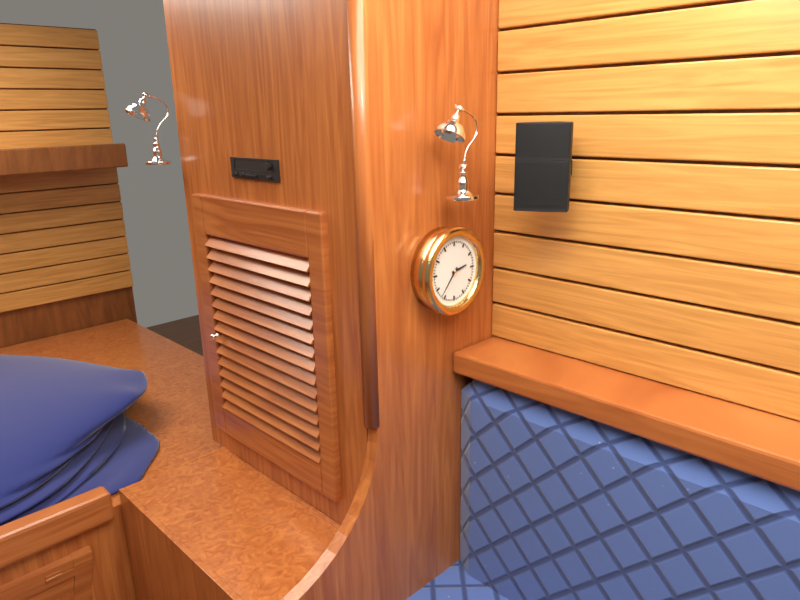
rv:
2.37
